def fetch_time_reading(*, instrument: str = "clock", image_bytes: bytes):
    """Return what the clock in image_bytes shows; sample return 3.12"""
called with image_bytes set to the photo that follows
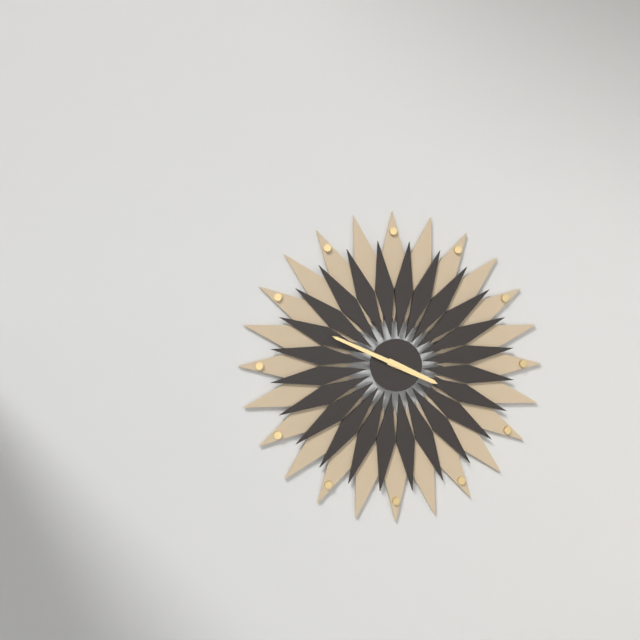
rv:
3.49
